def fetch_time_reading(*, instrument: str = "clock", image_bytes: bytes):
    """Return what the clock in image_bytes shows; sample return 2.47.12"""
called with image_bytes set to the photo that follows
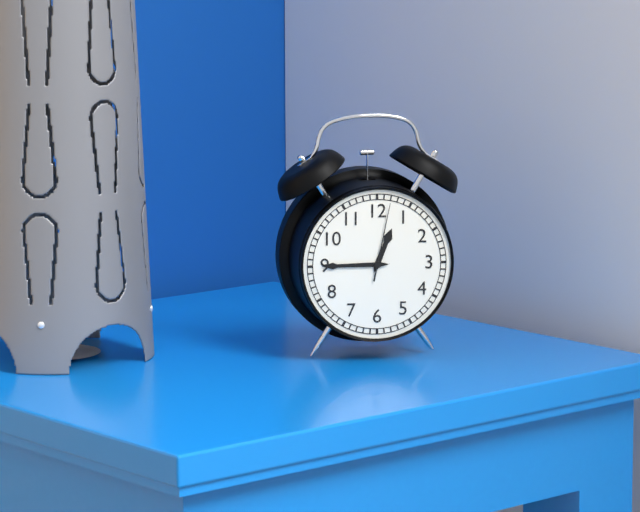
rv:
12.45.02
